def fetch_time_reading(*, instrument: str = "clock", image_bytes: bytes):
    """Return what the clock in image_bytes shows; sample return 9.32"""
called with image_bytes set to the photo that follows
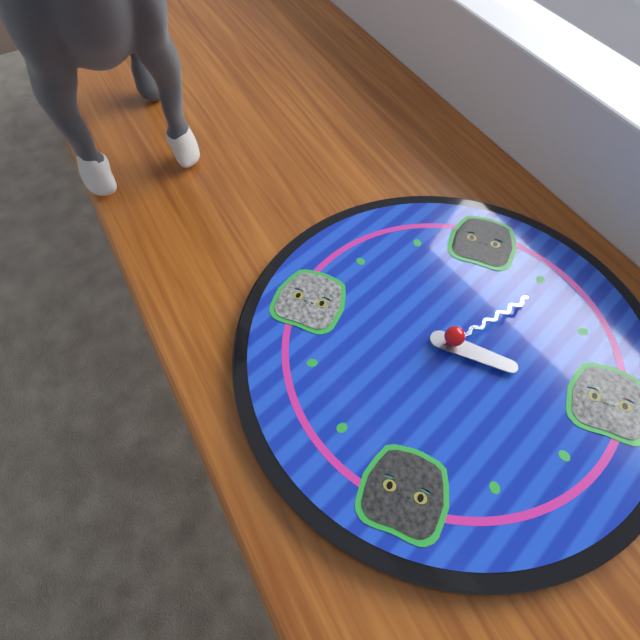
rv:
3.06
